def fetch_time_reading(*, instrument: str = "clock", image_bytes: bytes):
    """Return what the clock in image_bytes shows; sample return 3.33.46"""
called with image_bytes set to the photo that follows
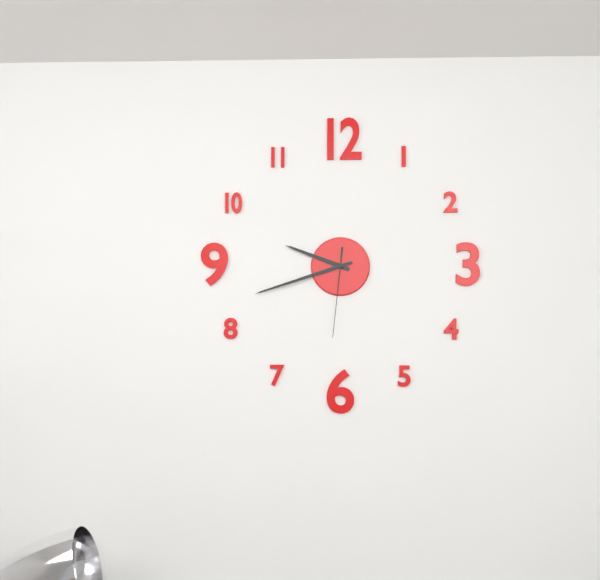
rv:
9.42.31
